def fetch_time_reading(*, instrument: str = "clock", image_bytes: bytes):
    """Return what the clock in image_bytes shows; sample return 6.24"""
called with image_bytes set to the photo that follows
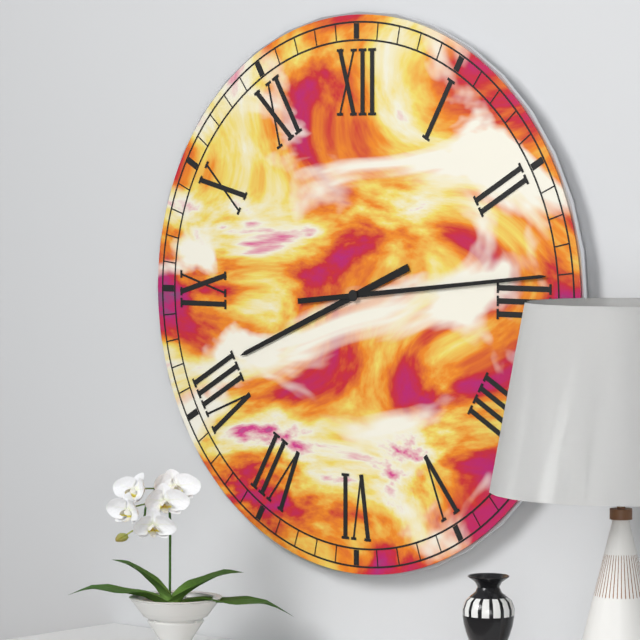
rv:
8.14
